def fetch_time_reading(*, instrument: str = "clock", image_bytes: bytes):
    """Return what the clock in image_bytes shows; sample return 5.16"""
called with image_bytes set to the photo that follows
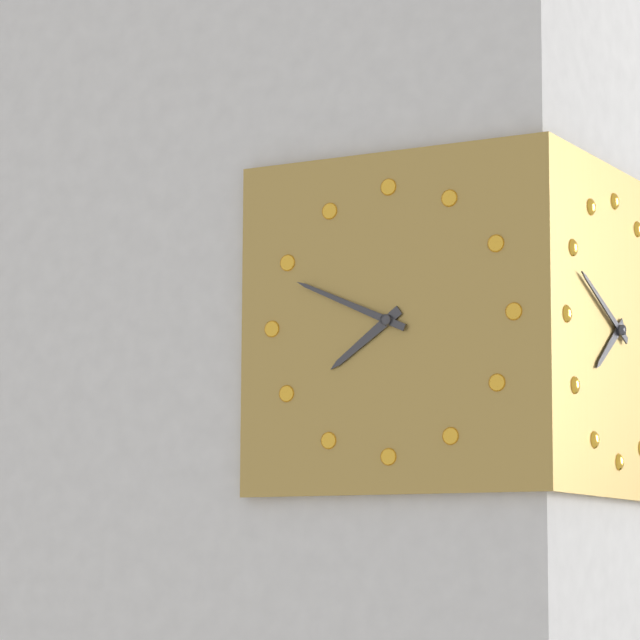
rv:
7.49
